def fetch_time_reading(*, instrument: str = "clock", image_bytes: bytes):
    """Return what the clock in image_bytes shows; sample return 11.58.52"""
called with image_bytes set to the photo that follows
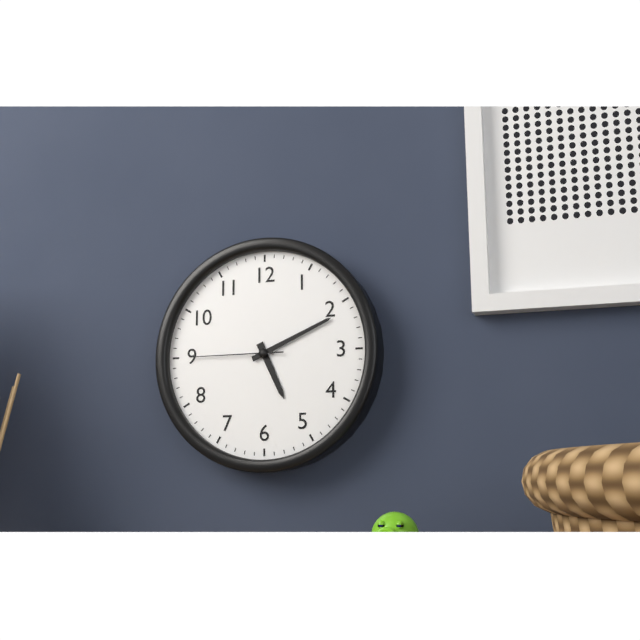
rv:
5.11.45
